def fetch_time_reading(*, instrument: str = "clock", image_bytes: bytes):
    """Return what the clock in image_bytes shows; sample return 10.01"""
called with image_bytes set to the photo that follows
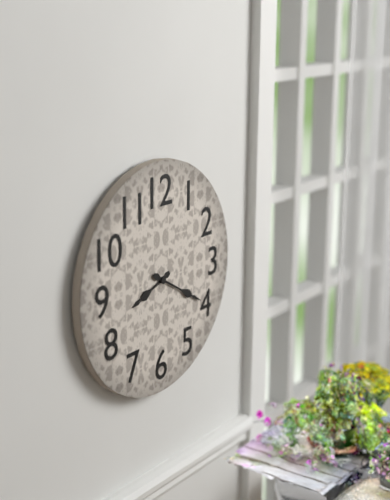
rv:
8.20
